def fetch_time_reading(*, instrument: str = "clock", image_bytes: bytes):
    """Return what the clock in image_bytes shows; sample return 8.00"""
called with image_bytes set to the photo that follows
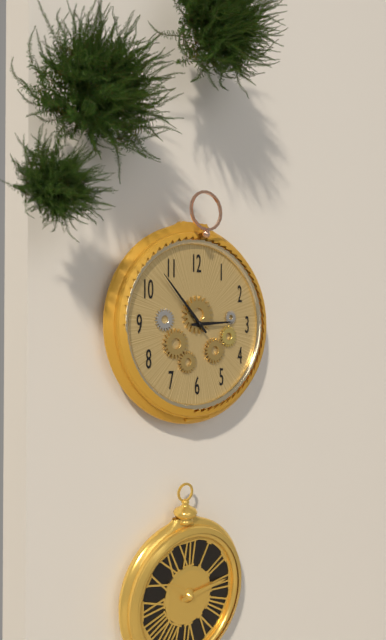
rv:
2.53
